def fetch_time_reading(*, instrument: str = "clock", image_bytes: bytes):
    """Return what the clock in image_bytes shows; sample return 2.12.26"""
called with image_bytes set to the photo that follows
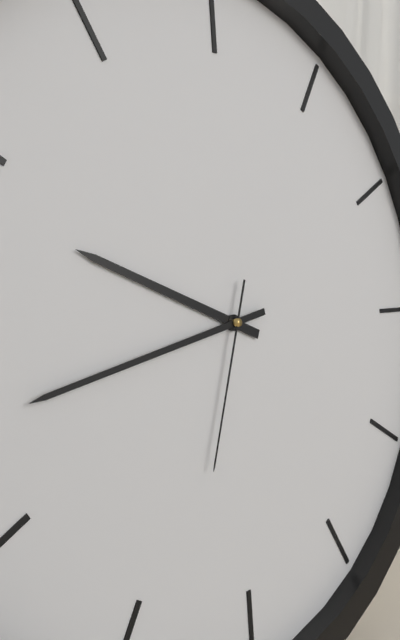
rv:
9.43.33
